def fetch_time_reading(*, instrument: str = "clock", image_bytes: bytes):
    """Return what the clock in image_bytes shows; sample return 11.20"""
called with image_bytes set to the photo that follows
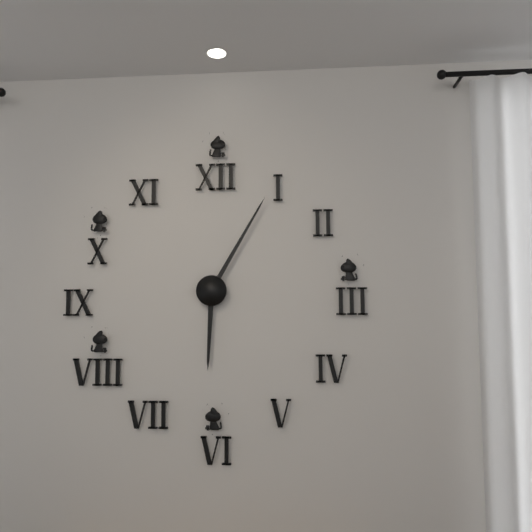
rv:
6.05
